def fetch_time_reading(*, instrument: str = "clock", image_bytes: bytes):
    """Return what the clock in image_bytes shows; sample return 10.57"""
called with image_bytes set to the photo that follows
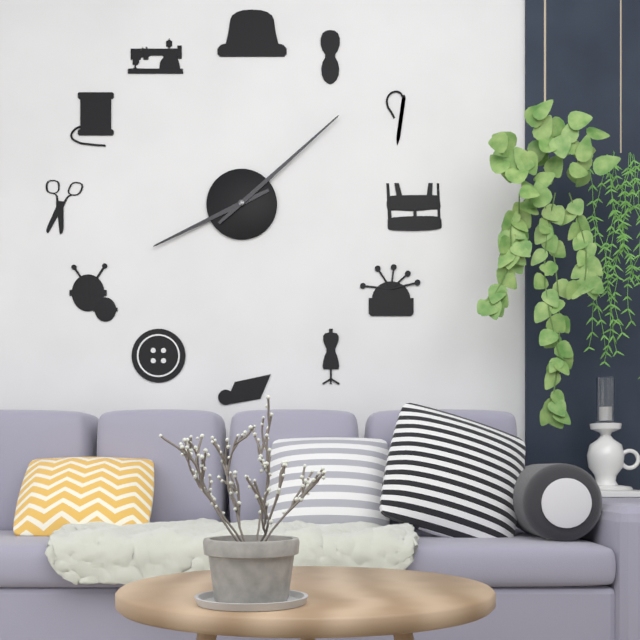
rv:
8.08
